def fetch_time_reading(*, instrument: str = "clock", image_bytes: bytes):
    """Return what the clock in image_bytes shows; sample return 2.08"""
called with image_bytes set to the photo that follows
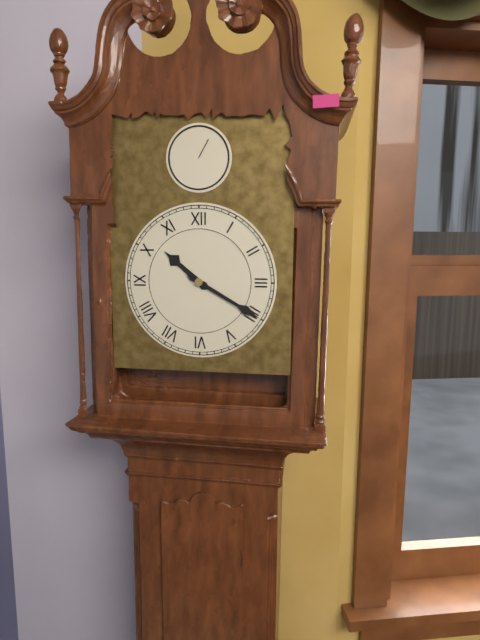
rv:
10.20
